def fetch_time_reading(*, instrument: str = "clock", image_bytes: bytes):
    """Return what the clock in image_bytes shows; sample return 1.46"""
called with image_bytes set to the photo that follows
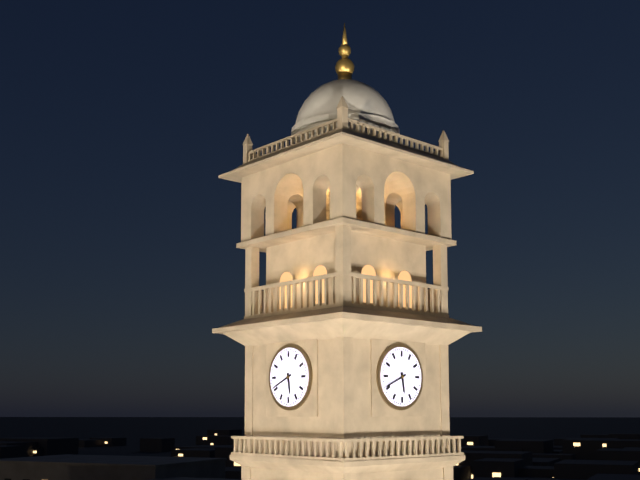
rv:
5.41
